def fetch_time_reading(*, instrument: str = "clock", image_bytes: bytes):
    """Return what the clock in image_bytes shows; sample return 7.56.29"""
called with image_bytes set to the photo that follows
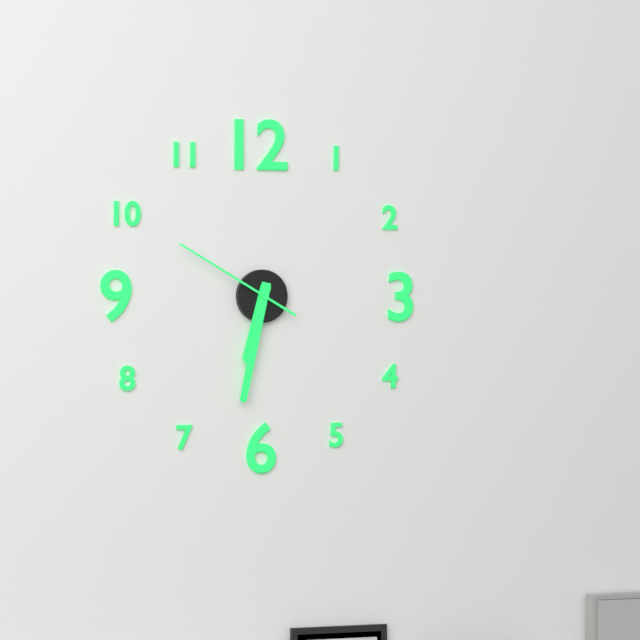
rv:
6.32.50
